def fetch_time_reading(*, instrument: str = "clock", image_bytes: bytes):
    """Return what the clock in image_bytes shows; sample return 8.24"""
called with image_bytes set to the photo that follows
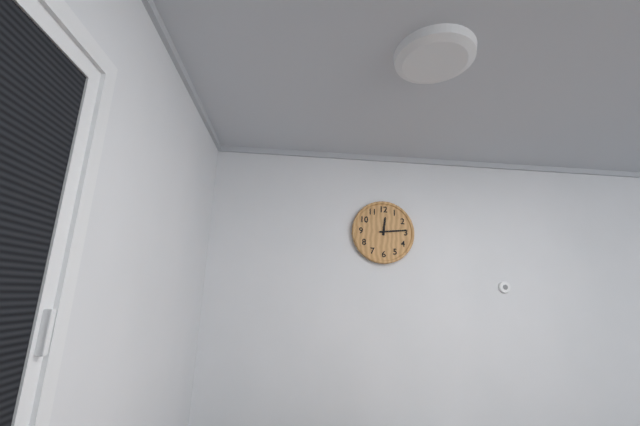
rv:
12.14
